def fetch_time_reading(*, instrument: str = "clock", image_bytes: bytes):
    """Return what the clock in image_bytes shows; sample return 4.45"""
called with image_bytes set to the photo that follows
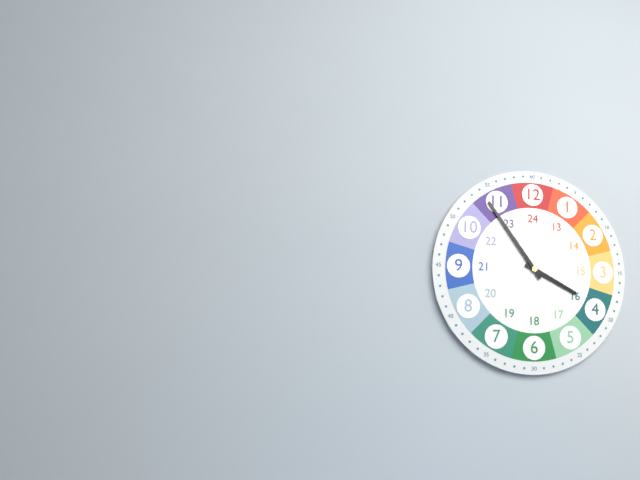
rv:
3.54
